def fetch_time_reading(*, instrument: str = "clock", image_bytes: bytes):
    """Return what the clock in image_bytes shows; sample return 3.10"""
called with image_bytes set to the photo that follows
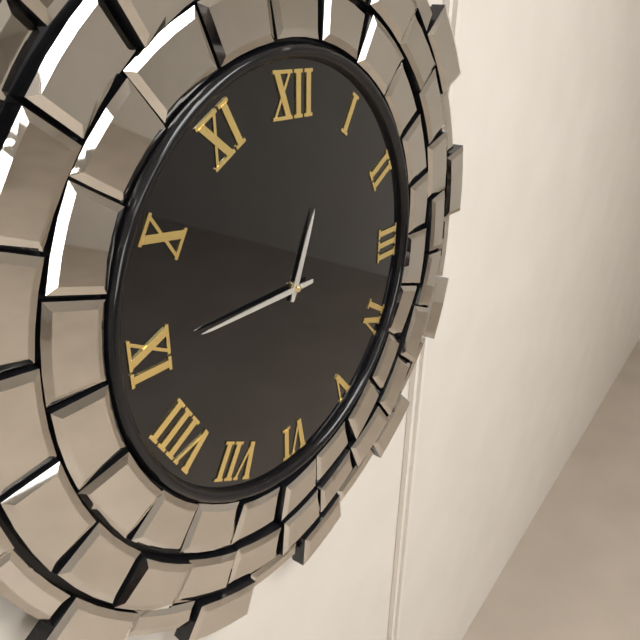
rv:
12.45
